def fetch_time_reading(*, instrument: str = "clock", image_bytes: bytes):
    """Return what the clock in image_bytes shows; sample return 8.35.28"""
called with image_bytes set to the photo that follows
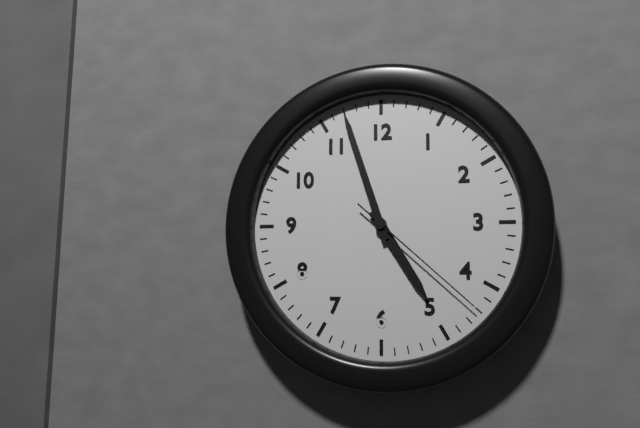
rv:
4.57.22
